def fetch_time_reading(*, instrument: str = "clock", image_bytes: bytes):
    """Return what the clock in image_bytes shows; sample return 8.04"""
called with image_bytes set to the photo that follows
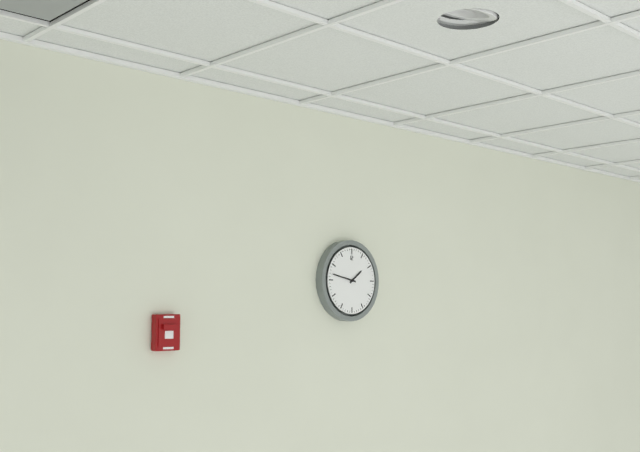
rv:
1.47
